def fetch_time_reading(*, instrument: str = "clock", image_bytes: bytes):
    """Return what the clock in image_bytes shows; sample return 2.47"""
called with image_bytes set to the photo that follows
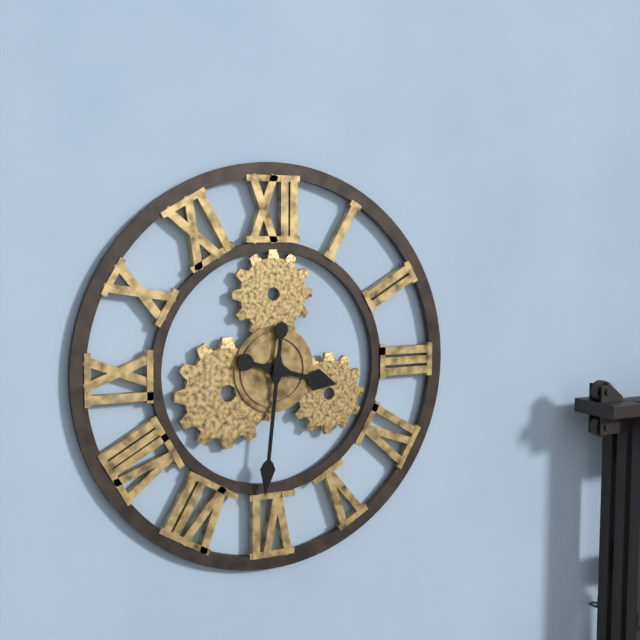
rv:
3.31
